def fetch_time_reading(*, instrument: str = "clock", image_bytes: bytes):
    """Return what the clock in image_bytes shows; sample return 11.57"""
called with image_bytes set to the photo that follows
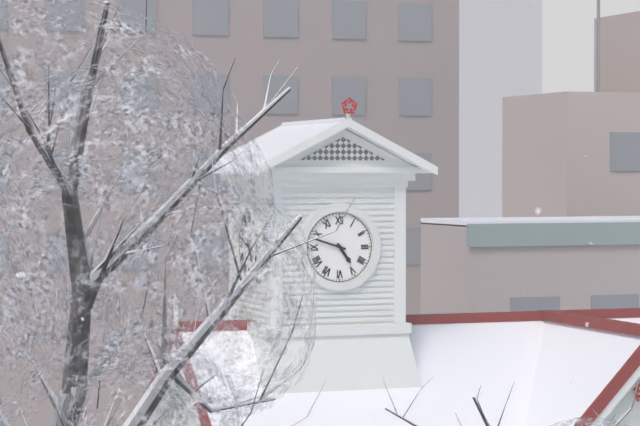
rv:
4.48
